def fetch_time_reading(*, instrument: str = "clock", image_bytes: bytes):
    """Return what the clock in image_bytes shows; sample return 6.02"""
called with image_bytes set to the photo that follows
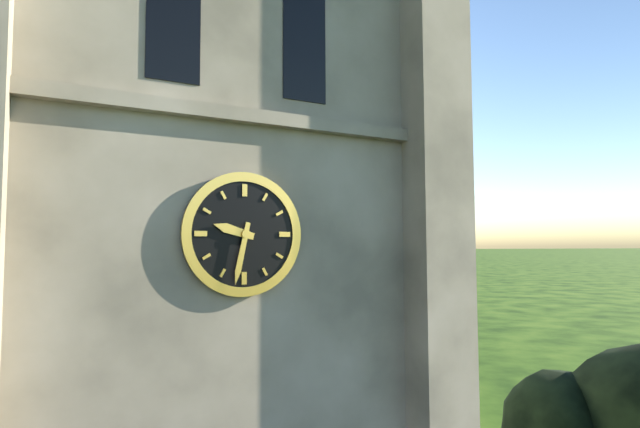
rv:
9.32
